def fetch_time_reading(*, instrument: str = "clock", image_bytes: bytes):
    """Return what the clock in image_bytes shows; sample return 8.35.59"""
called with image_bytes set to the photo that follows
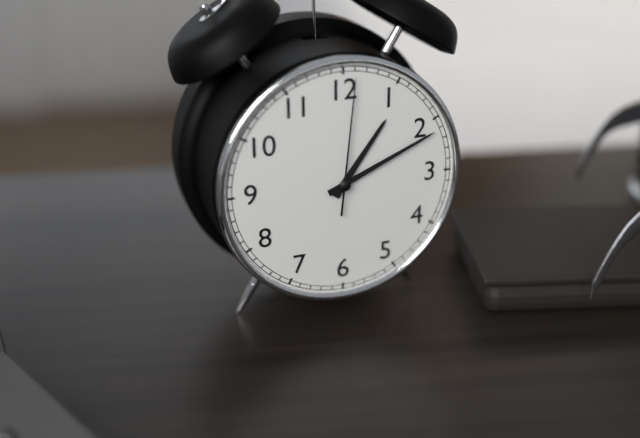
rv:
1.11.01
